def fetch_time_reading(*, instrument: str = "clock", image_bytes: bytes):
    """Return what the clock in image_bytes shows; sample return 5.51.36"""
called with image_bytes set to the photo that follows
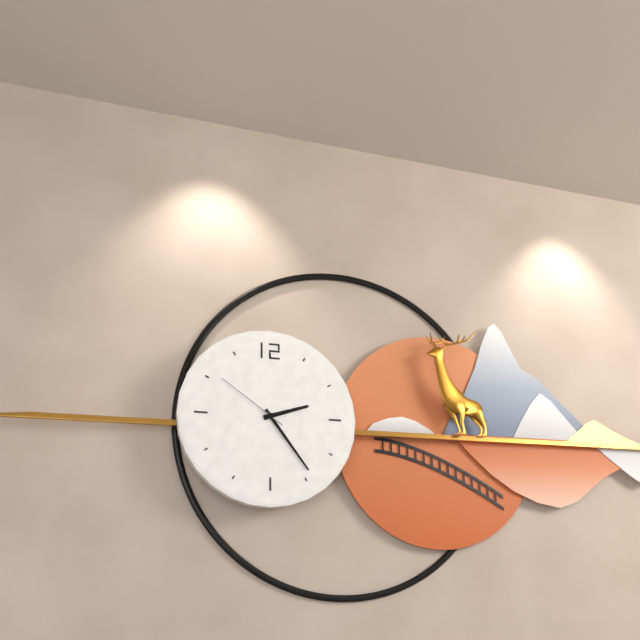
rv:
2.24.51
